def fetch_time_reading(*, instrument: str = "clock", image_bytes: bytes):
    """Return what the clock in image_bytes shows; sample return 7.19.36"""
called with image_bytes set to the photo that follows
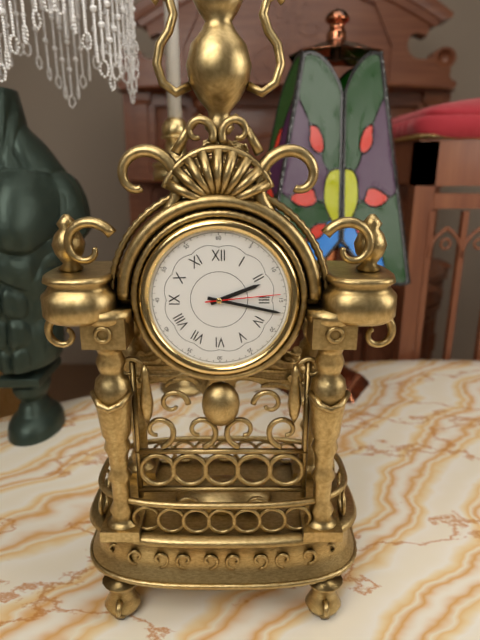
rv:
2.17.14
